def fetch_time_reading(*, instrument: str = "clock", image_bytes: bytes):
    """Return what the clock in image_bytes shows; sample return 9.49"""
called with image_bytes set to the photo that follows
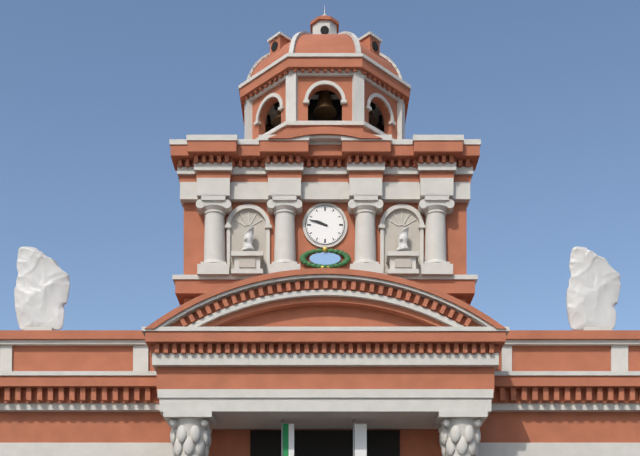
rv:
9.48
